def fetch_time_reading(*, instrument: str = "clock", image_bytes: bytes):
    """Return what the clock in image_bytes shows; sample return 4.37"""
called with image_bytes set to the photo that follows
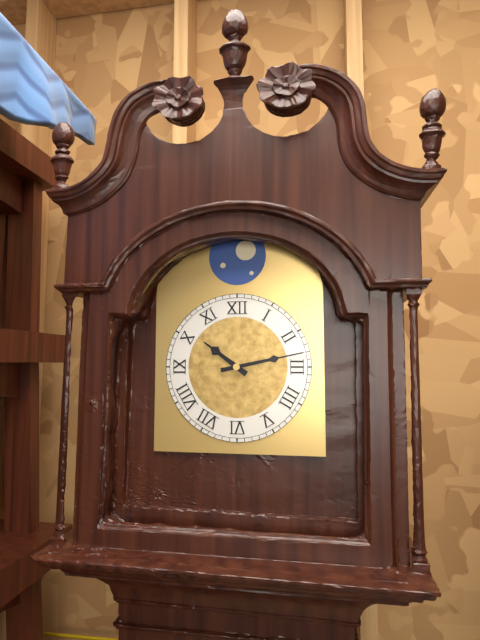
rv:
10.13
